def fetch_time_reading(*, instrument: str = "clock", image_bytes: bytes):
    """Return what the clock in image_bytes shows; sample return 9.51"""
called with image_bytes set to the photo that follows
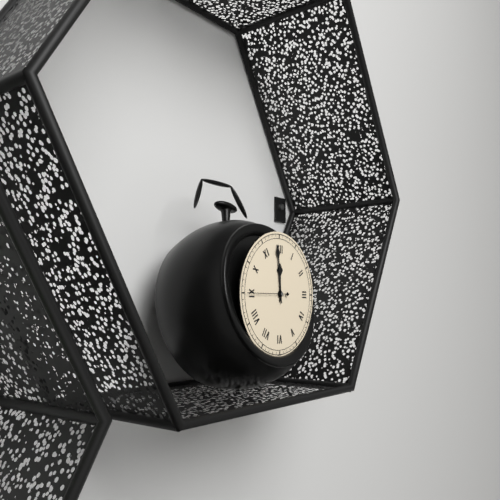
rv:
11.59
